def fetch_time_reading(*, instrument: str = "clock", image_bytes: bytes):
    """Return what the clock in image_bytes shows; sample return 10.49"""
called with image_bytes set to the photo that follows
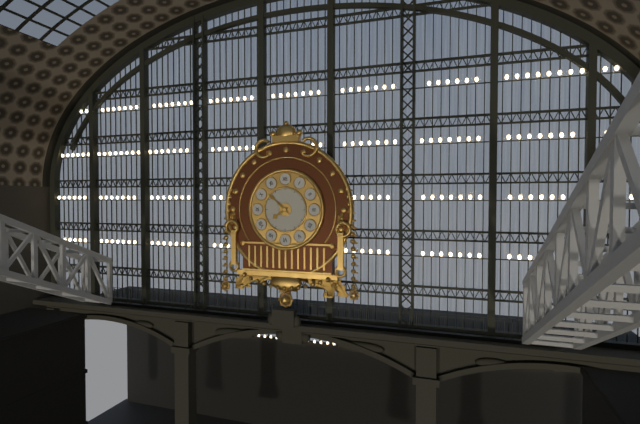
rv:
7.52
